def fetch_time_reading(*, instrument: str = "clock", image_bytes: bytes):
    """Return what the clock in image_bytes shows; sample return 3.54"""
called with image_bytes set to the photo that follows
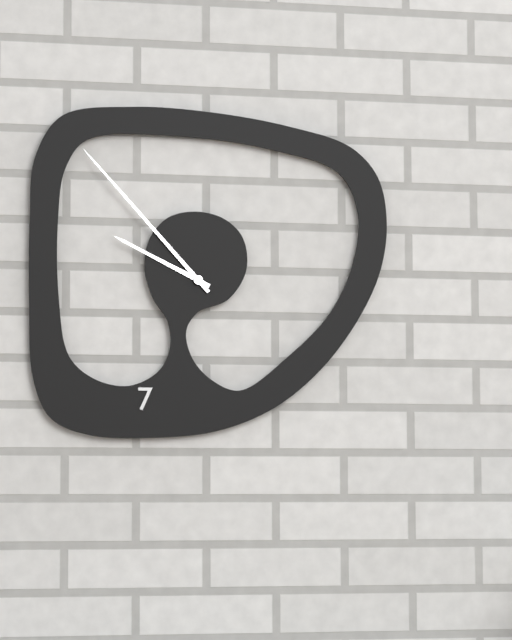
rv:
9.53
